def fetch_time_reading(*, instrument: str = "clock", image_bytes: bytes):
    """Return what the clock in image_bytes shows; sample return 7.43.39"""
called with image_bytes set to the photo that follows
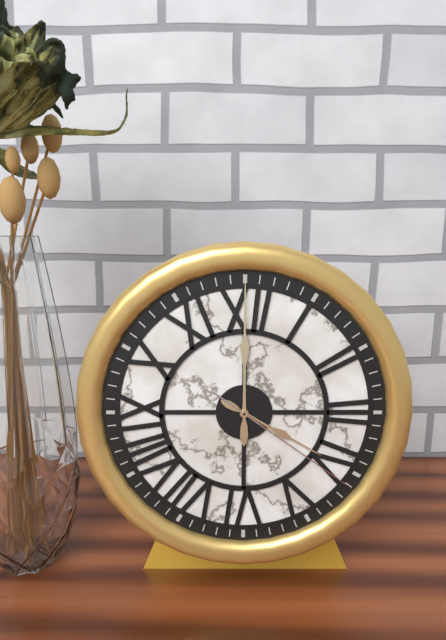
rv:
4.00.21
